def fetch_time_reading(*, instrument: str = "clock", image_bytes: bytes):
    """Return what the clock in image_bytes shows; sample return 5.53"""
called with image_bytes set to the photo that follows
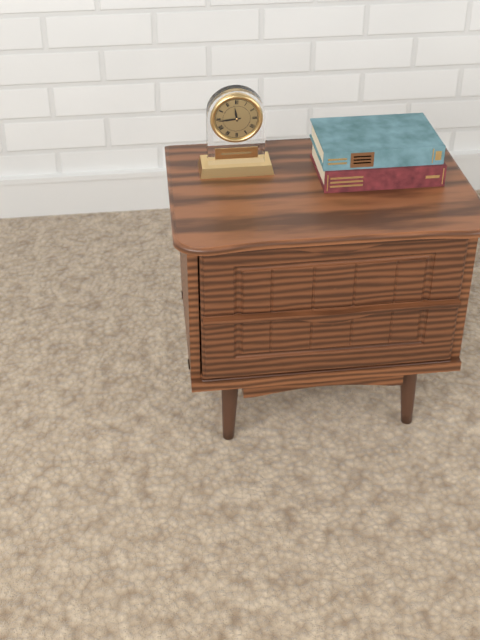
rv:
11.44
